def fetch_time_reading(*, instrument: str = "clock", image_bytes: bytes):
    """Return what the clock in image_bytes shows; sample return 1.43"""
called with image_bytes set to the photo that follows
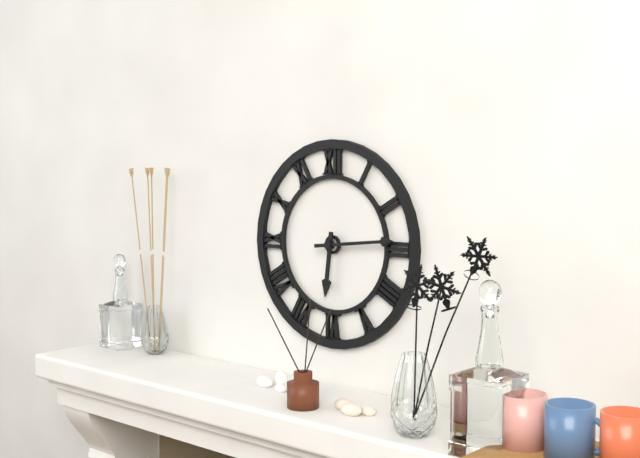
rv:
6.14
